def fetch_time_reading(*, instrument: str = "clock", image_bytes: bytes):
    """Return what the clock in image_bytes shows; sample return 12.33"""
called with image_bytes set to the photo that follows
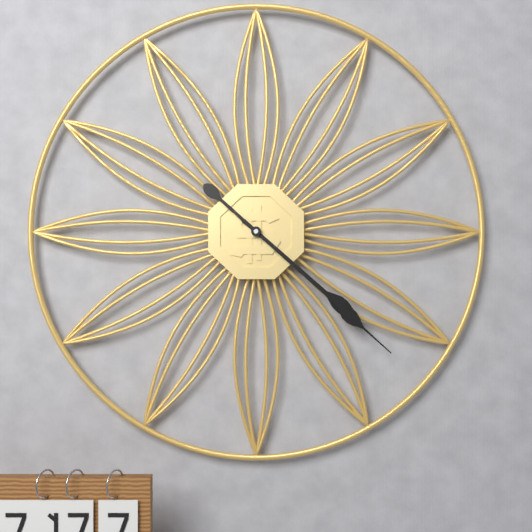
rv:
4.22
